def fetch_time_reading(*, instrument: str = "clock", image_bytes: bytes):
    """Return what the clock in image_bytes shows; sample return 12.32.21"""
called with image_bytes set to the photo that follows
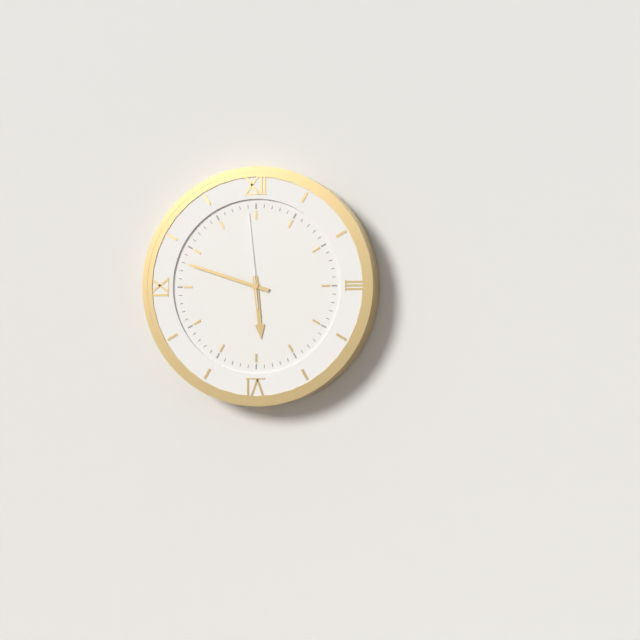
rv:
5.48.59
